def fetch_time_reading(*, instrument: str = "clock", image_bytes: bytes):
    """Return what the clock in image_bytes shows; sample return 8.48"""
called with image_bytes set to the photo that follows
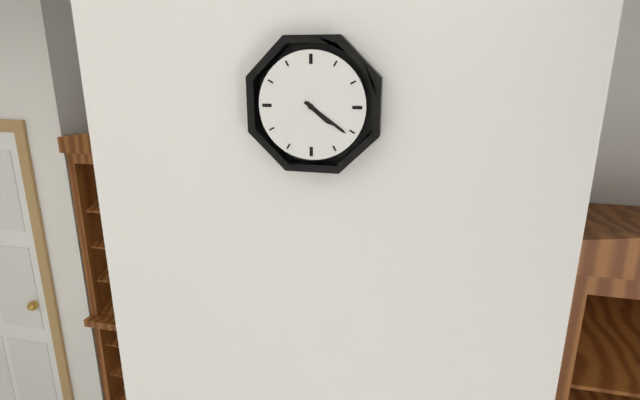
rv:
4.21
